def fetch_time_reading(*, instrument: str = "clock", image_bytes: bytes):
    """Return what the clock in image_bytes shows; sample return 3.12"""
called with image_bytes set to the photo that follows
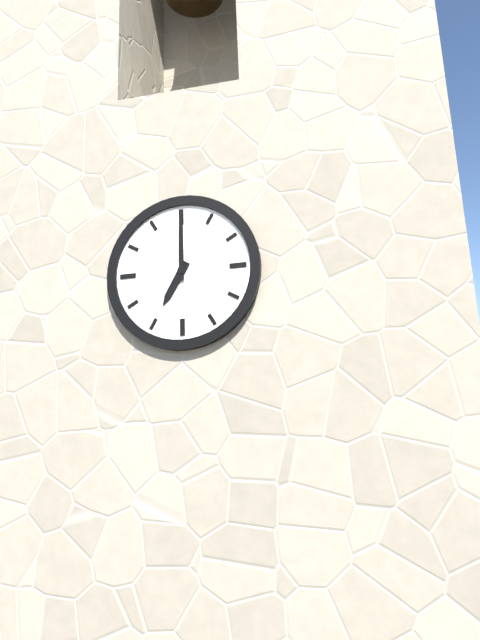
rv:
7.00
